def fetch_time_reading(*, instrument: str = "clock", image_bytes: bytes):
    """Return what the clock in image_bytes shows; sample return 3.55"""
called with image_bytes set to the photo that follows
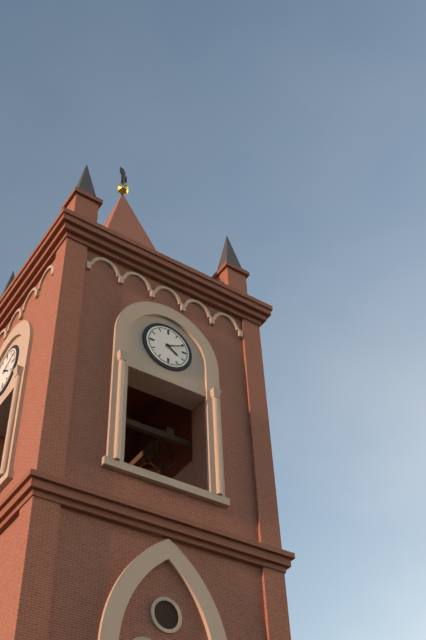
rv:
4.11
